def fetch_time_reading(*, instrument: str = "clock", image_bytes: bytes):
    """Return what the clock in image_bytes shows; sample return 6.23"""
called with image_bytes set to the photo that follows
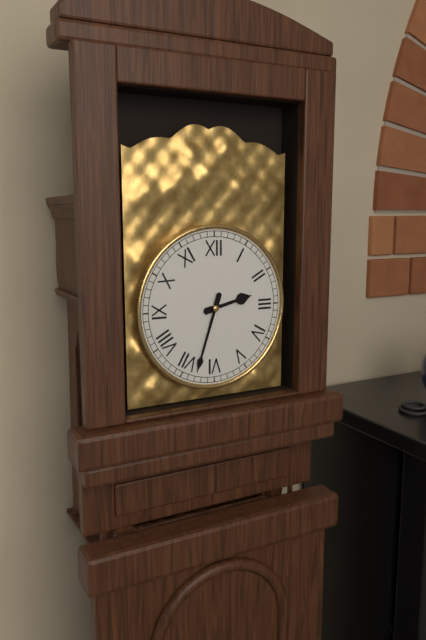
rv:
2.33
